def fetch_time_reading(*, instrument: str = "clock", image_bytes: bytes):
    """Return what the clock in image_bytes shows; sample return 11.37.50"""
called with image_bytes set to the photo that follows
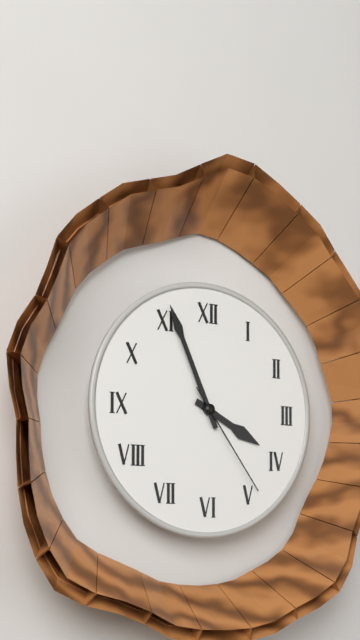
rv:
3.56.24
